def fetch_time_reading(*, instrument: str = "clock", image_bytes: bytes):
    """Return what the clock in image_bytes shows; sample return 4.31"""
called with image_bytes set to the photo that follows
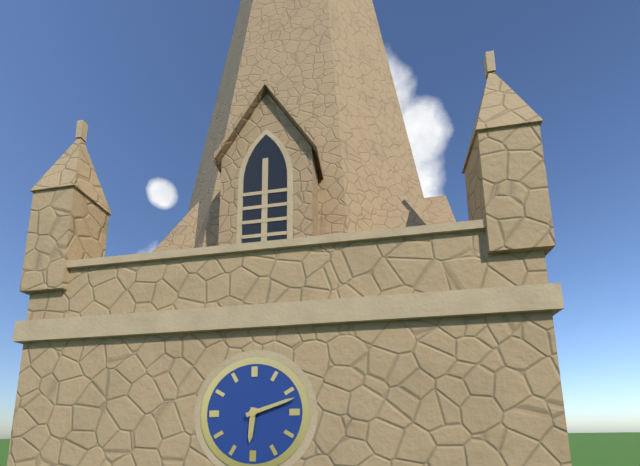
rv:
6.12
